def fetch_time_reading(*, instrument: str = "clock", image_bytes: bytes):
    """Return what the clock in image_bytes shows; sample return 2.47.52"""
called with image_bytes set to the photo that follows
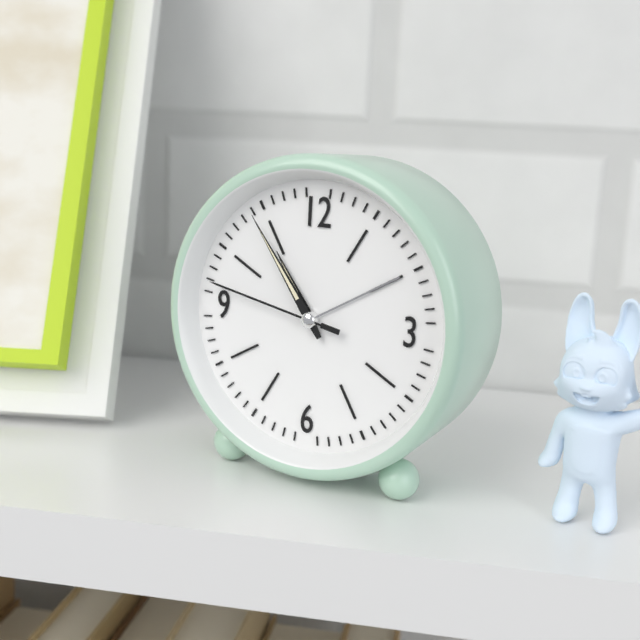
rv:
10.54.47
